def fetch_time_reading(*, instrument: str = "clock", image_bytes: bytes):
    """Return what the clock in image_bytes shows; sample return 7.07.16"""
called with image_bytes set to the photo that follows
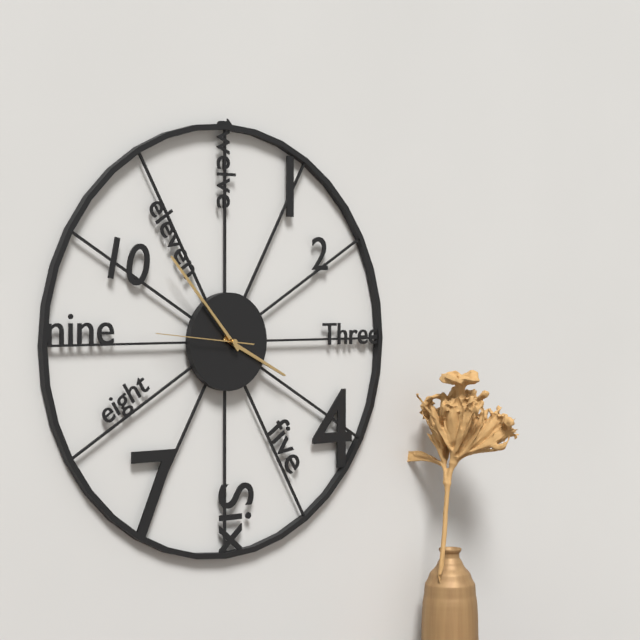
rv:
3.53.46
